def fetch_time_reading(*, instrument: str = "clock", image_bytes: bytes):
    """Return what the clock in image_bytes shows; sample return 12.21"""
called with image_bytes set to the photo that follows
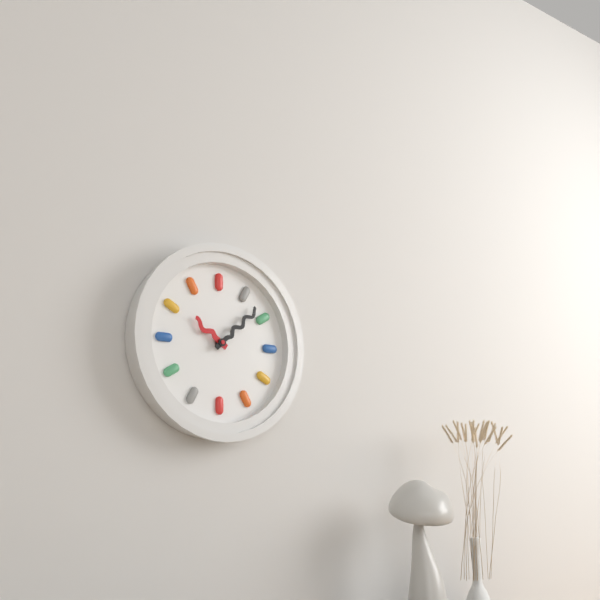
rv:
10.08
